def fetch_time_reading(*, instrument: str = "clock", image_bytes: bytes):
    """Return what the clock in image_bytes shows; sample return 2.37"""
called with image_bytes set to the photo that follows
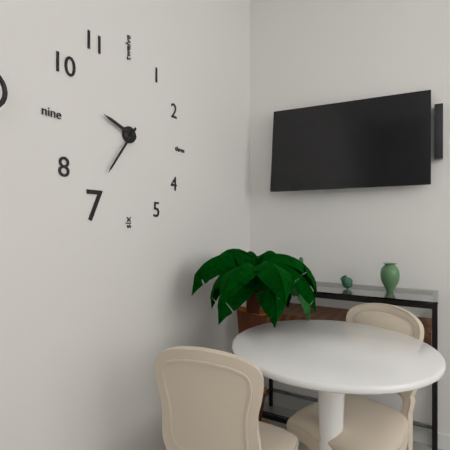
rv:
9.36
